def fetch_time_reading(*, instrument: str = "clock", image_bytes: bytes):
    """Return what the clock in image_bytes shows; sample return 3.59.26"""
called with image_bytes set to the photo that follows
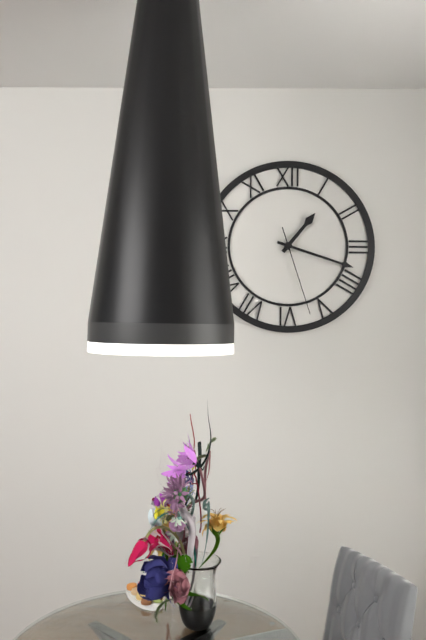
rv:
1.18.27
